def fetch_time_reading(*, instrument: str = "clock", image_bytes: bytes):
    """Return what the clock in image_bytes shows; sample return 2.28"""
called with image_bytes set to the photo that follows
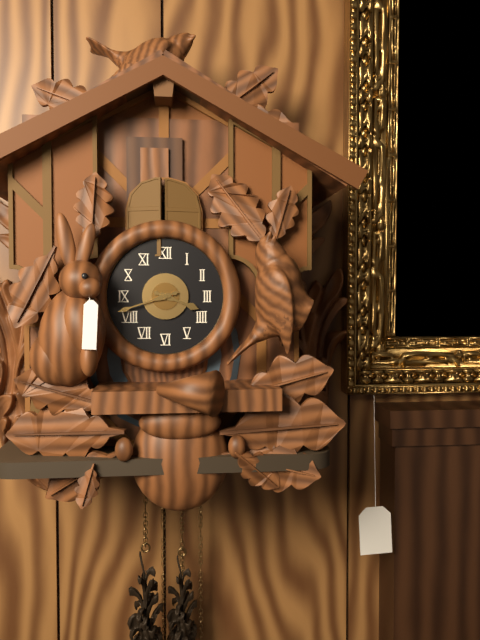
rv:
3.42
